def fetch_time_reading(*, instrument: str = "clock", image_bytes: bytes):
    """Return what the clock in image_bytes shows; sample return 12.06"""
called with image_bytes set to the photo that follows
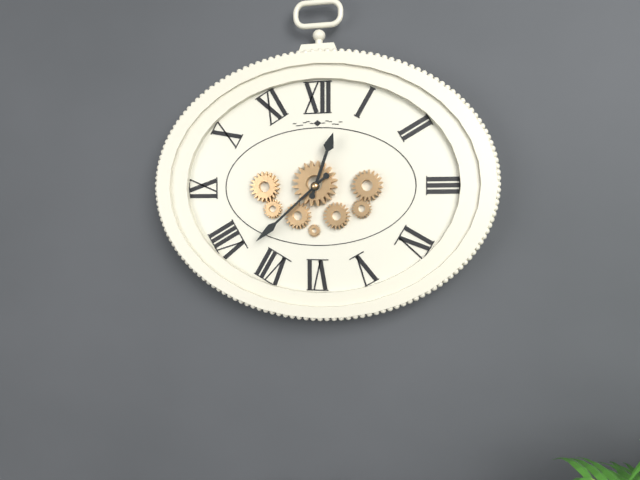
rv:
12.38
